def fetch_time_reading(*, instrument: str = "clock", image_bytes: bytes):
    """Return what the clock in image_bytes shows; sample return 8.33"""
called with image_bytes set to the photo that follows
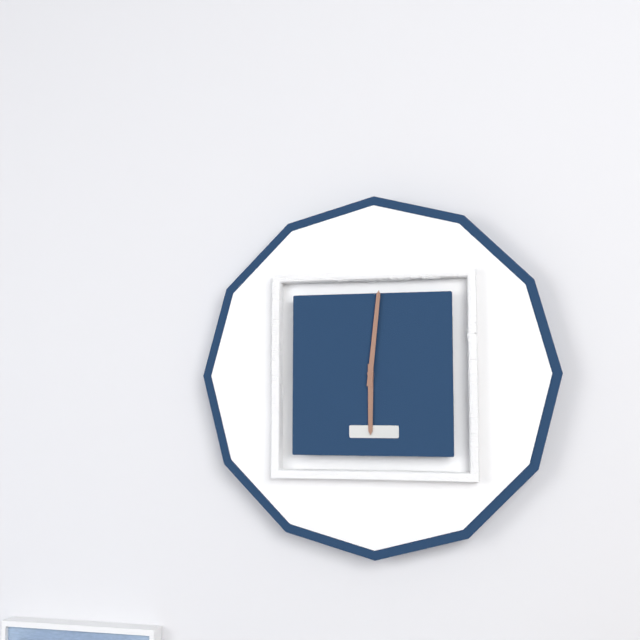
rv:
6.01
